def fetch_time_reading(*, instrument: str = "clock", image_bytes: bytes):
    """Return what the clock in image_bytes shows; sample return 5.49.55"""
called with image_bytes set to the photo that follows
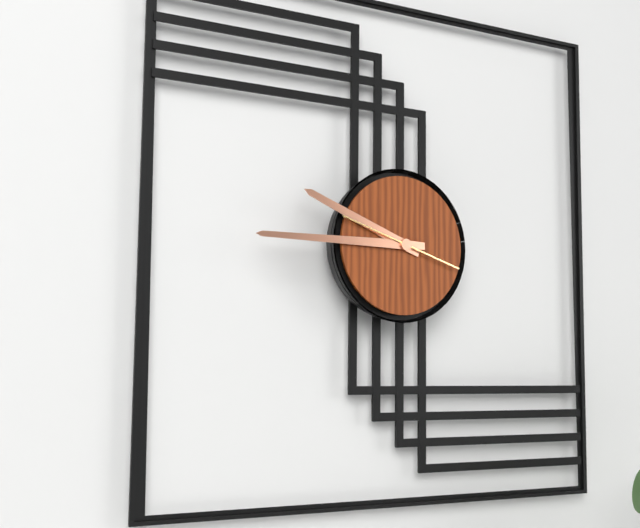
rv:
9.45.48
